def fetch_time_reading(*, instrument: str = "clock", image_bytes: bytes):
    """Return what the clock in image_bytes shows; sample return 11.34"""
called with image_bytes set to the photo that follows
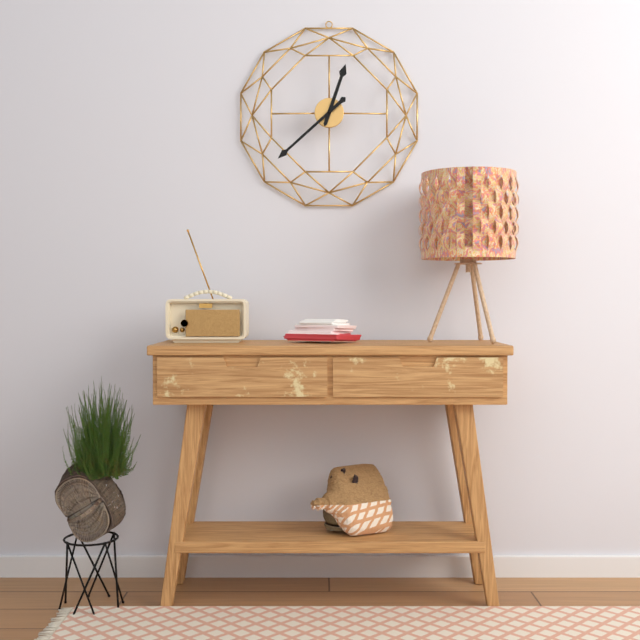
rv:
12.38
